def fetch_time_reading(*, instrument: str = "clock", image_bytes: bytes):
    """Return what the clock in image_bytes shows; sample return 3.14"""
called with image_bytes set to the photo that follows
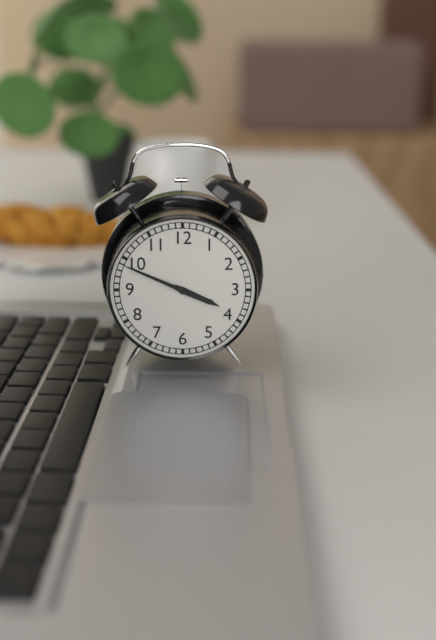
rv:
3.49
